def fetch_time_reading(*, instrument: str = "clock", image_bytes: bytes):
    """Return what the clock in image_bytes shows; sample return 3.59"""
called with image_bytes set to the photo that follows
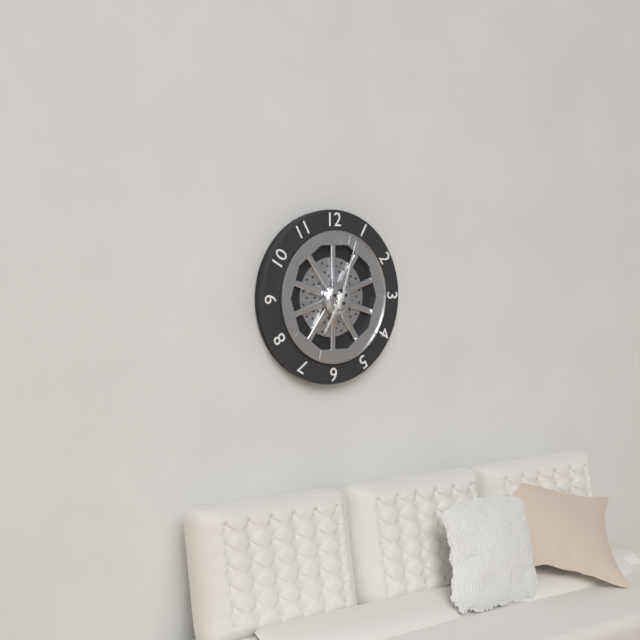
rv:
7.03
